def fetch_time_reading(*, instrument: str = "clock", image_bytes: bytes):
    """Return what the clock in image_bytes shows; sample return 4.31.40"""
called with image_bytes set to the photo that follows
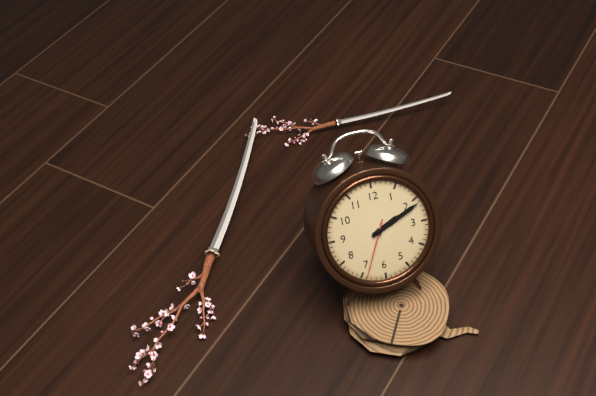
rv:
2.11.34
